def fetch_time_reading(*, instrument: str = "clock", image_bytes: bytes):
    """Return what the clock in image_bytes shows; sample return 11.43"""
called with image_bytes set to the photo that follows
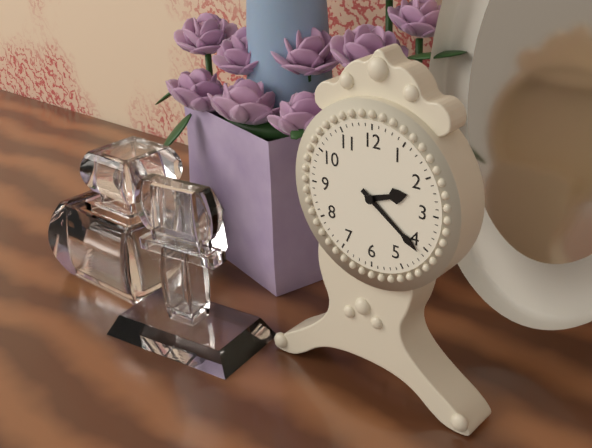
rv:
2.21
